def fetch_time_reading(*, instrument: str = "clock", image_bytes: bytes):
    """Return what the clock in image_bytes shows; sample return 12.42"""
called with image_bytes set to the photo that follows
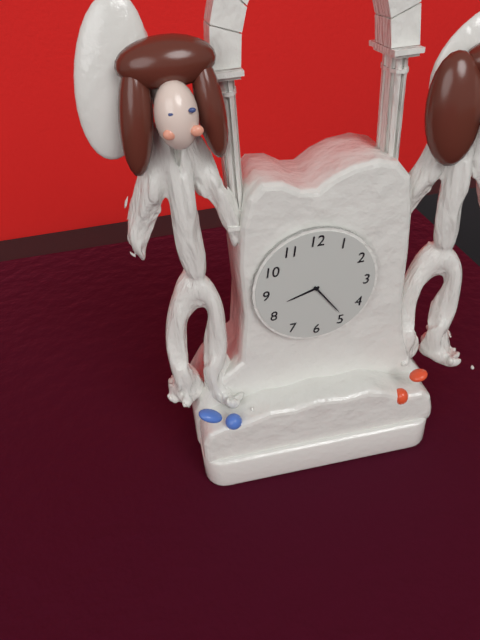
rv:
8.24
